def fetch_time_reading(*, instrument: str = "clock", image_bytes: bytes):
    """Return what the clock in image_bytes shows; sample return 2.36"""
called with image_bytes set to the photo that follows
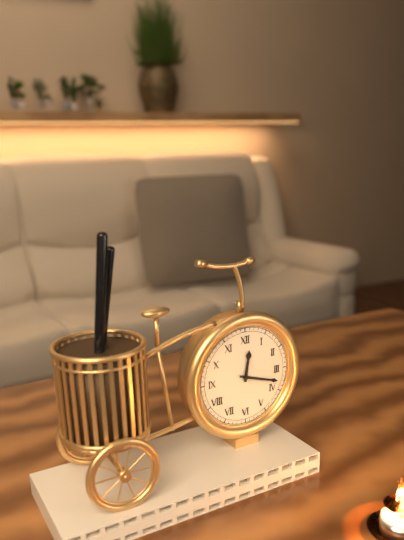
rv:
12.18
